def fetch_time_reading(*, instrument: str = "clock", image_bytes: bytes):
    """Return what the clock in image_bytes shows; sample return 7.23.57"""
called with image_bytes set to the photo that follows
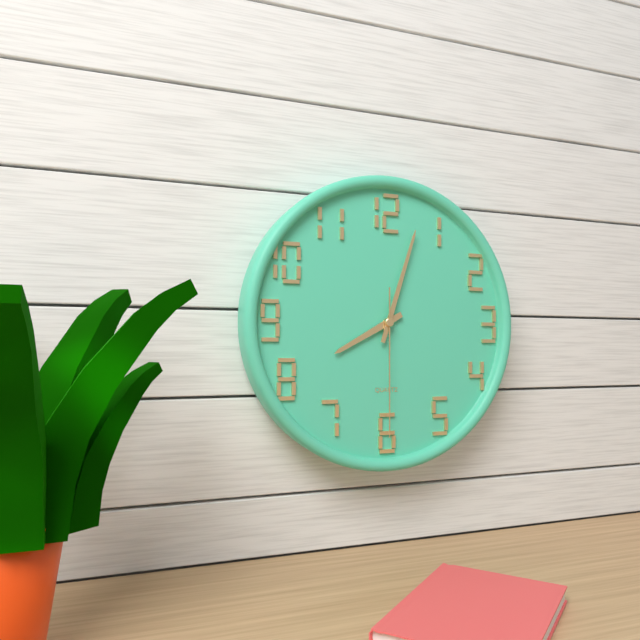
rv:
8.03.30
